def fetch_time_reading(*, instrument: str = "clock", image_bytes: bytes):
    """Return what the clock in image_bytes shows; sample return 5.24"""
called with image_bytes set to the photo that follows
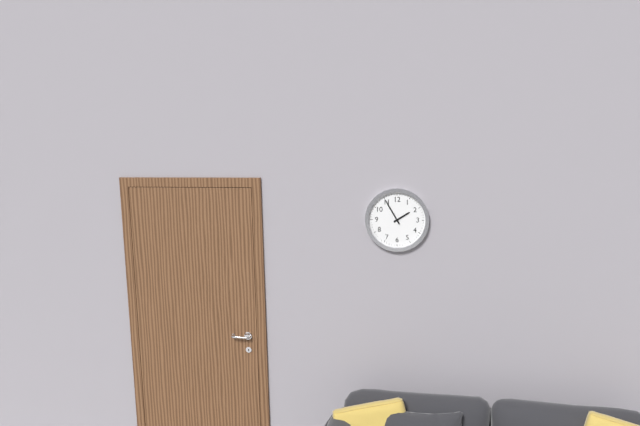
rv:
1.55
